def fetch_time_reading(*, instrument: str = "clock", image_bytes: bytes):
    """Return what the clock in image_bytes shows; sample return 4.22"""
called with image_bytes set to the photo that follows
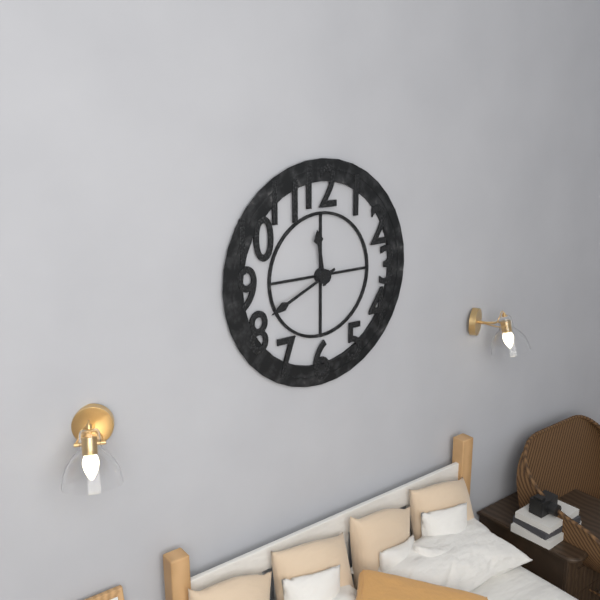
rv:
11.41
